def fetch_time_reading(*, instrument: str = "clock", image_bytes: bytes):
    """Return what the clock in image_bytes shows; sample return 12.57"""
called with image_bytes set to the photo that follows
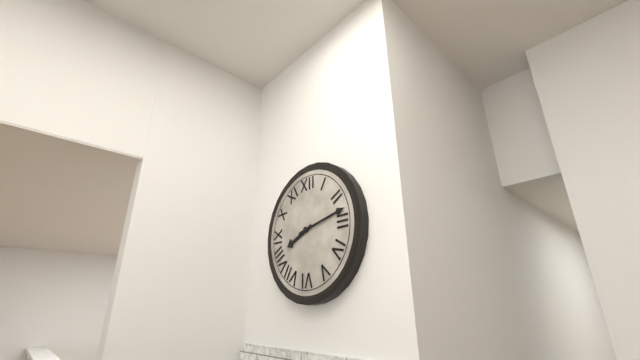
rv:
8.13
